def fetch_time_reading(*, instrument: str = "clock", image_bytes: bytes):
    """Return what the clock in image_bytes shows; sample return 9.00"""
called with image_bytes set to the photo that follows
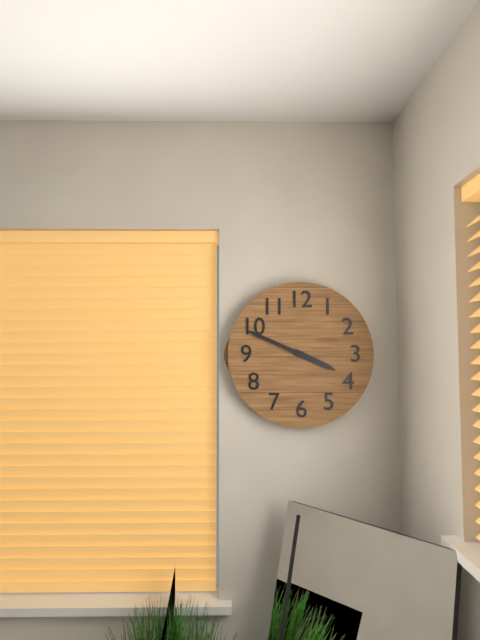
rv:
3.49
